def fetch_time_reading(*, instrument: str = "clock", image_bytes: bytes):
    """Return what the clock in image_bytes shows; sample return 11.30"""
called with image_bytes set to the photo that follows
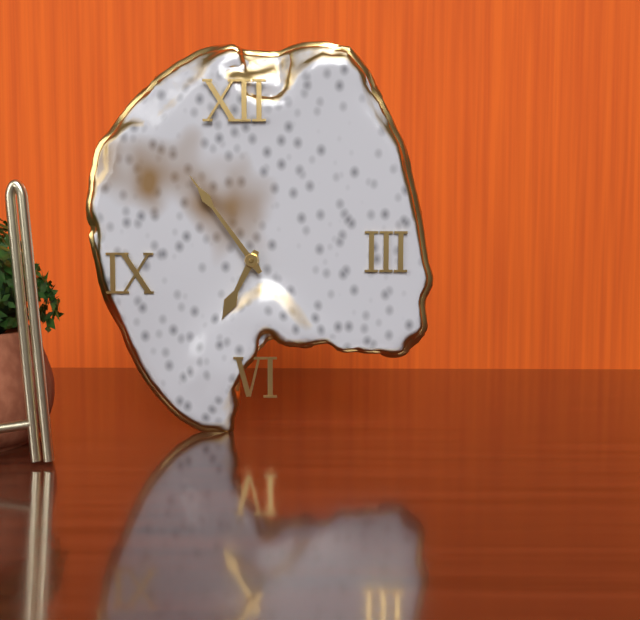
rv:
6.54
